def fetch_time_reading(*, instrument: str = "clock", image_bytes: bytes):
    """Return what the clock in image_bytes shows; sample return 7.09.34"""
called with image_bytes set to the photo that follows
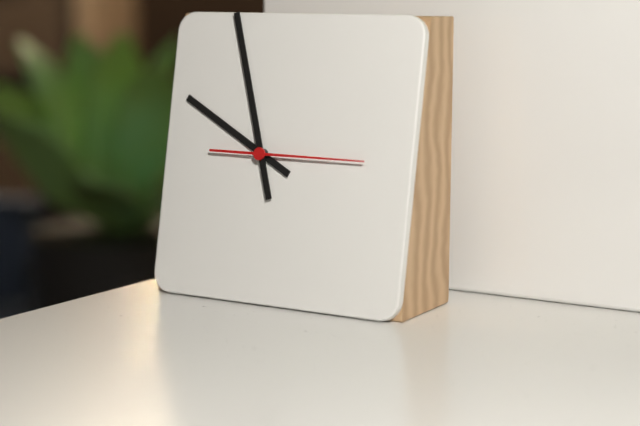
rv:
9.57.15
